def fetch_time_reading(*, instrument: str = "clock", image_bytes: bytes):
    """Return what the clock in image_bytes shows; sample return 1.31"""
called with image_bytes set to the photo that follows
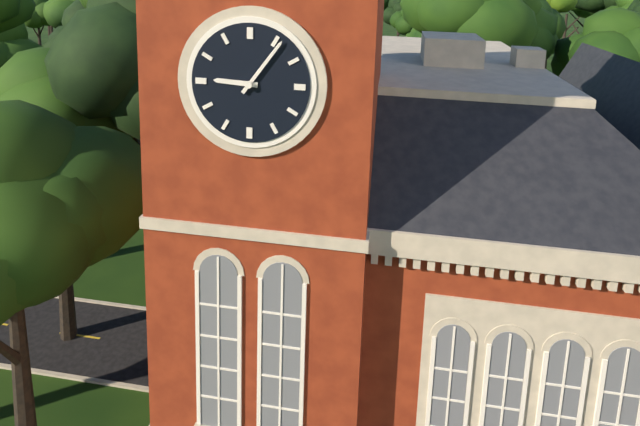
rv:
9.06
